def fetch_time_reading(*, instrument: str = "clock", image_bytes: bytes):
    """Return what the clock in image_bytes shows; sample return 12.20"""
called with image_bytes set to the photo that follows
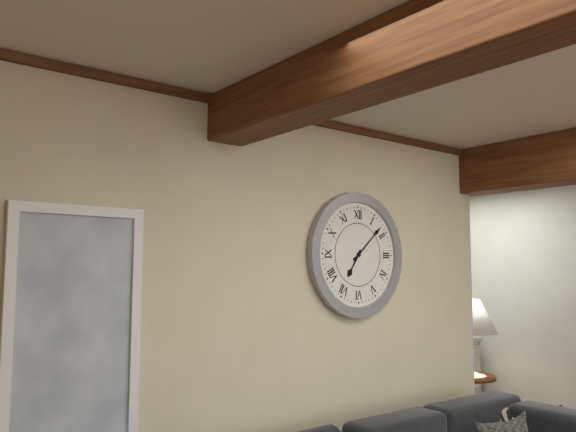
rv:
7.08
